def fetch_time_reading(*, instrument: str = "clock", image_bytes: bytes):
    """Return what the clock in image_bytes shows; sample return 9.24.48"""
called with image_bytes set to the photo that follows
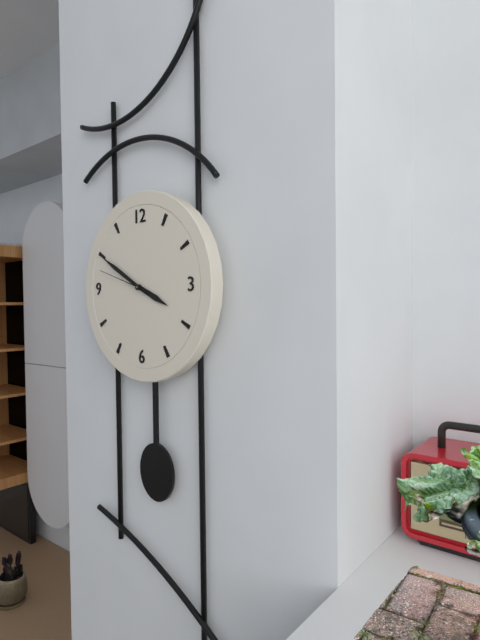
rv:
3.50.48
